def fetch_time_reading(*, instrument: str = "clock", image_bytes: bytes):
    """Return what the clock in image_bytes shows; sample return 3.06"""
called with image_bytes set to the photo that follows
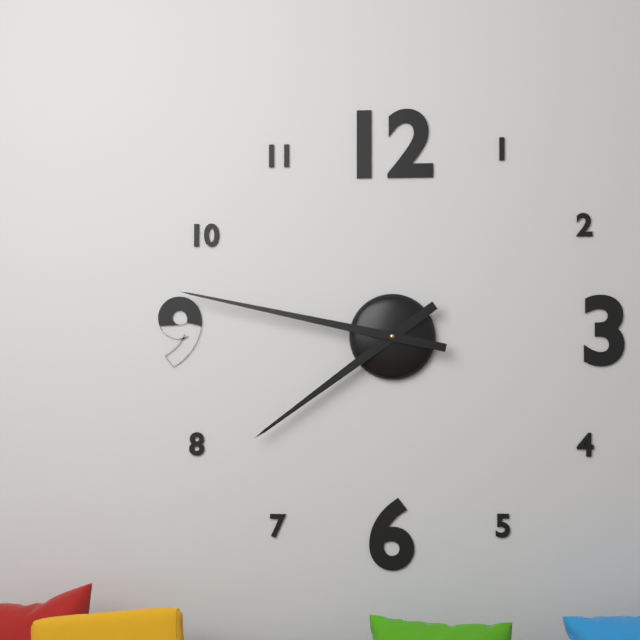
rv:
7.47
